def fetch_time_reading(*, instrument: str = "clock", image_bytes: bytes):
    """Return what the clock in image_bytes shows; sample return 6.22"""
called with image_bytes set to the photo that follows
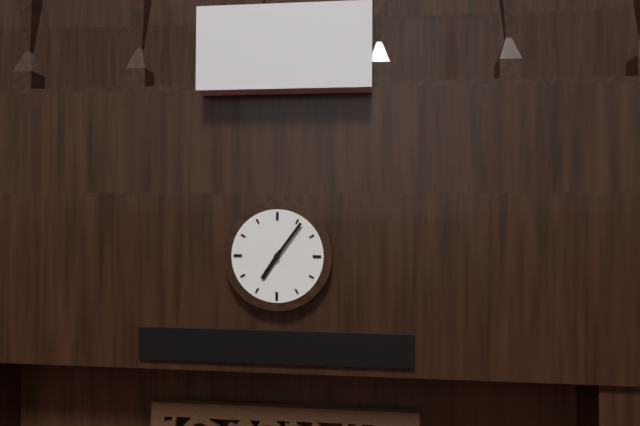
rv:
7.06
